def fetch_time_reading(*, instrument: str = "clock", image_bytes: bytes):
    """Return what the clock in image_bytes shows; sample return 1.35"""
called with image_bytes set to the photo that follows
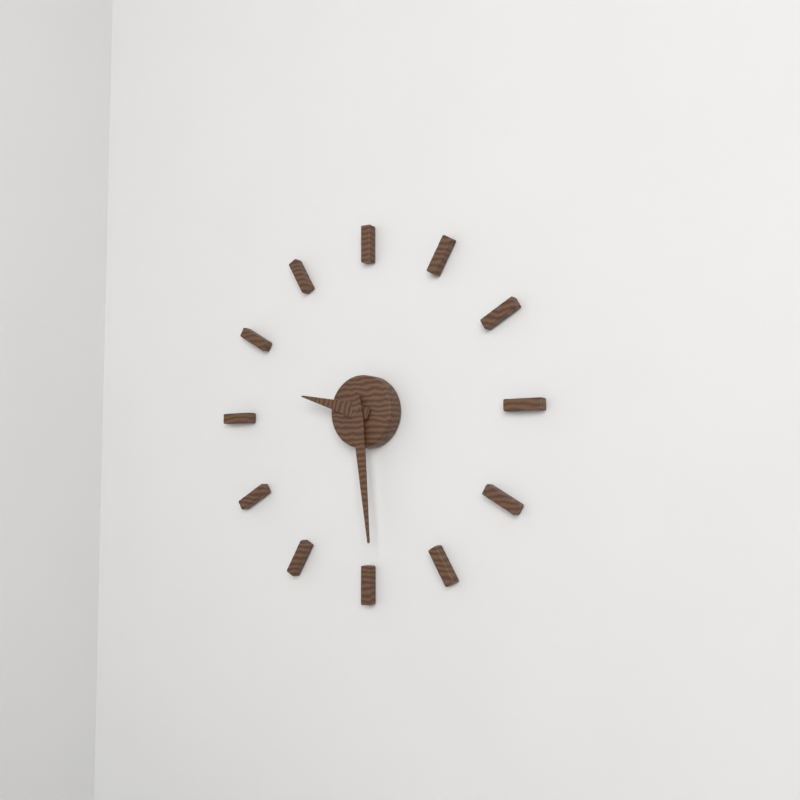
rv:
9.29
